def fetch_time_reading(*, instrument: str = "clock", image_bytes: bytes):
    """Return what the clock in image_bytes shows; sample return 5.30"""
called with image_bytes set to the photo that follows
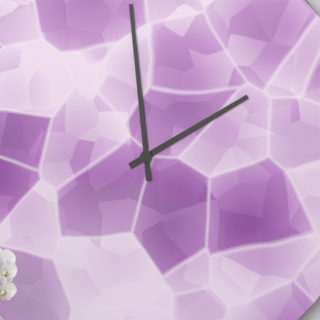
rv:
1.59
